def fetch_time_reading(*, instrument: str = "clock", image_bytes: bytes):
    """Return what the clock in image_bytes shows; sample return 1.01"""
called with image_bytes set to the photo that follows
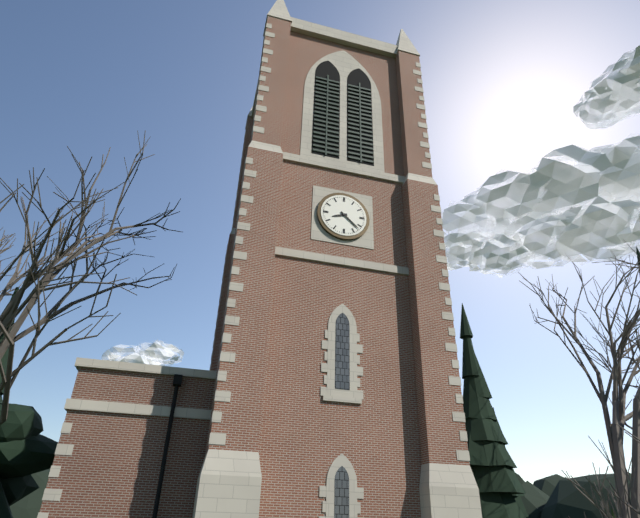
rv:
8.22
